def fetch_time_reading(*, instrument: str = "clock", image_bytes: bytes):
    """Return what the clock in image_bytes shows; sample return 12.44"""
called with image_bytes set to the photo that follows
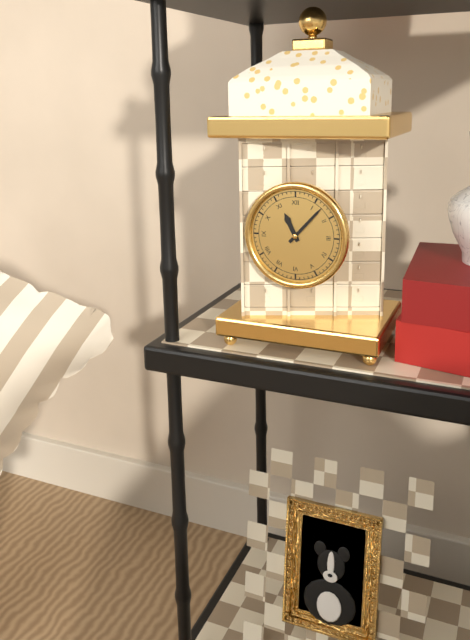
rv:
11.07
